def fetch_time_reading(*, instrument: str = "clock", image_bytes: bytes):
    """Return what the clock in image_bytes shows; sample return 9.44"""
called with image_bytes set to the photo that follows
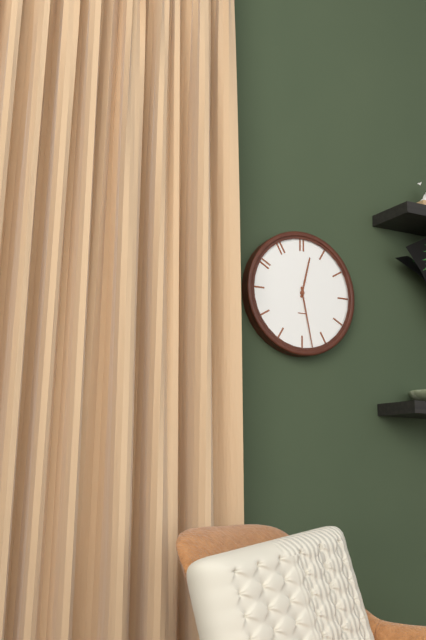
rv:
12.28
